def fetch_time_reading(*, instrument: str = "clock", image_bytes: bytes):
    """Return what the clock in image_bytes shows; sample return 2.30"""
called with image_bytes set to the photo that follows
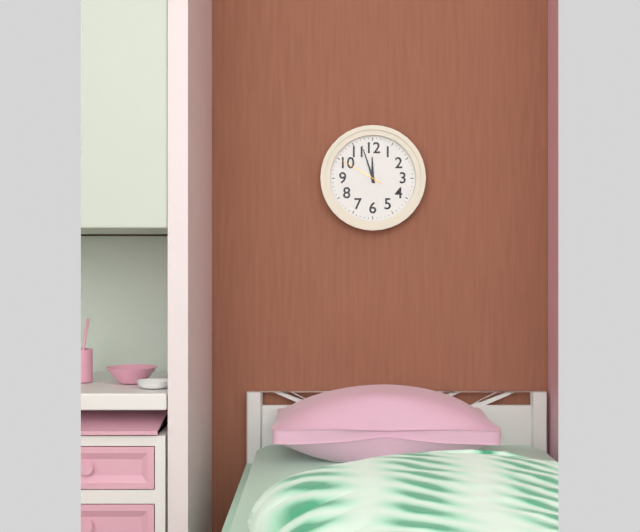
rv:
11.57
